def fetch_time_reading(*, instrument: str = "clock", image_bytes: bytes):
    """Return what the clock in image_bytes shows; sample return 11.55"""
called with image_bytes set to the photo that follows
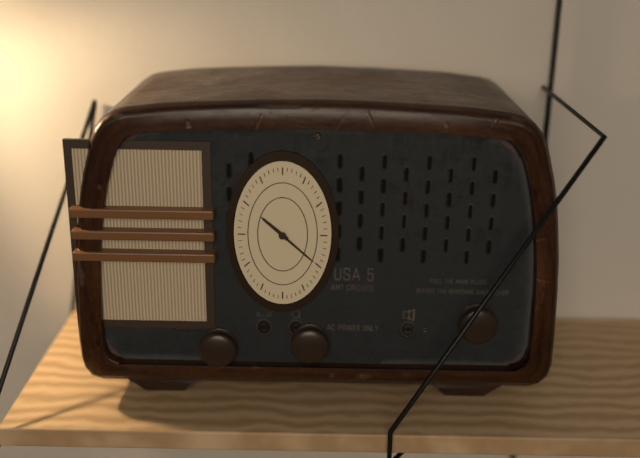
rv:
10.22
